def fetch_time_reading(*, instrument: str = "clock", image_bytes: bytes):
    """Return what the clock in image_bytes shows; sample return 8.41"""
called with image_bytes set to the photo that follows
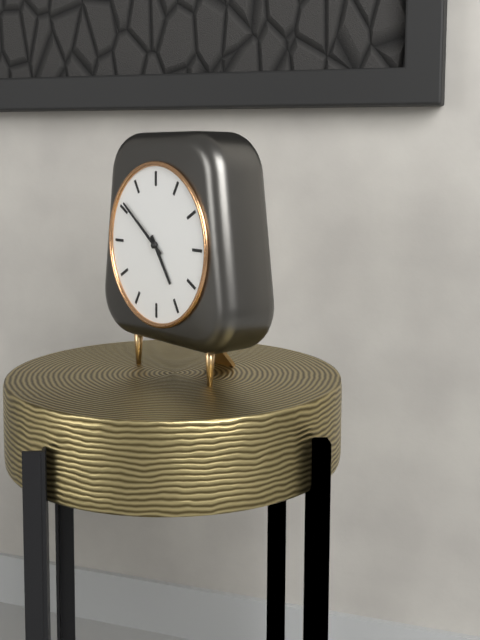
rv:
4.51
